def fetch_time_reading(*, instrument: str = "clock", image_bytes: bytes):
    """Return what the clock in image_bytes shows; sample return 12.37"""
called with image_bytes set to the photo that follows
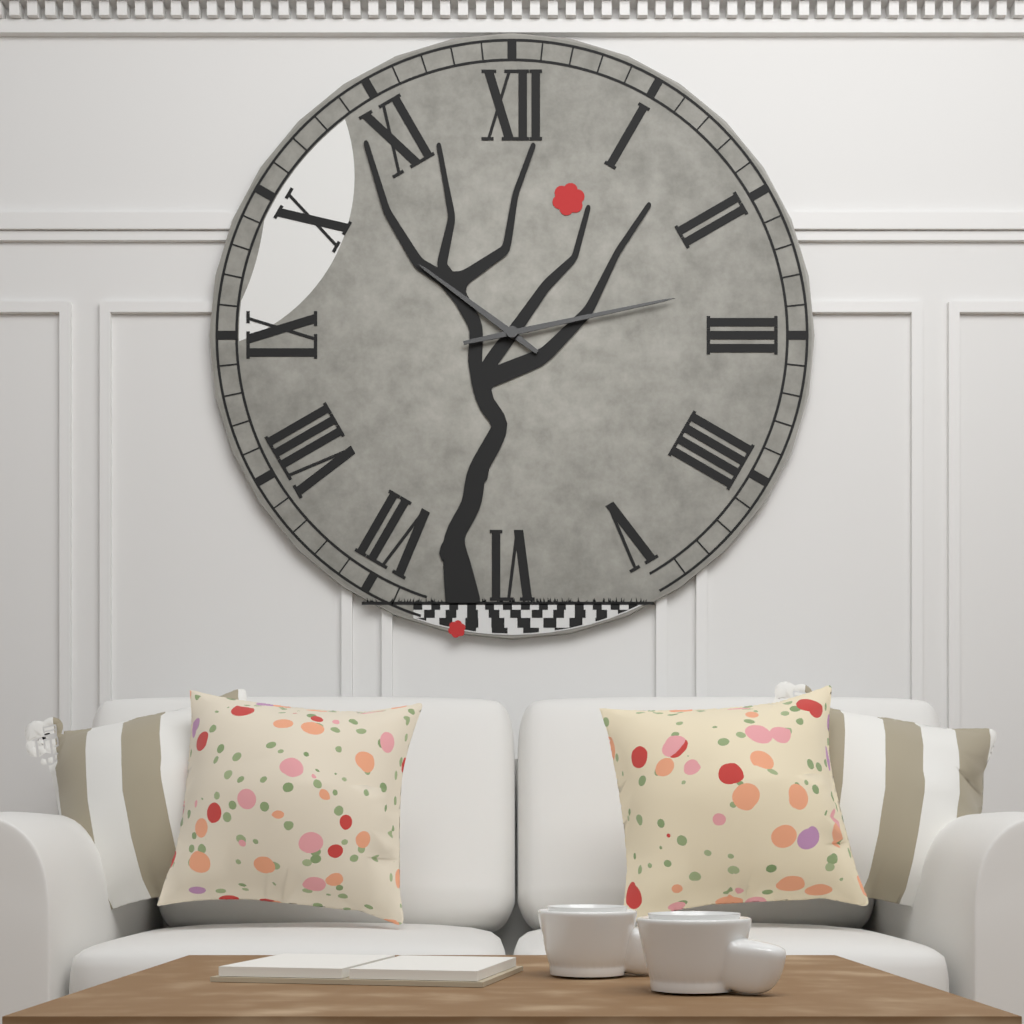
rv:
10.13
